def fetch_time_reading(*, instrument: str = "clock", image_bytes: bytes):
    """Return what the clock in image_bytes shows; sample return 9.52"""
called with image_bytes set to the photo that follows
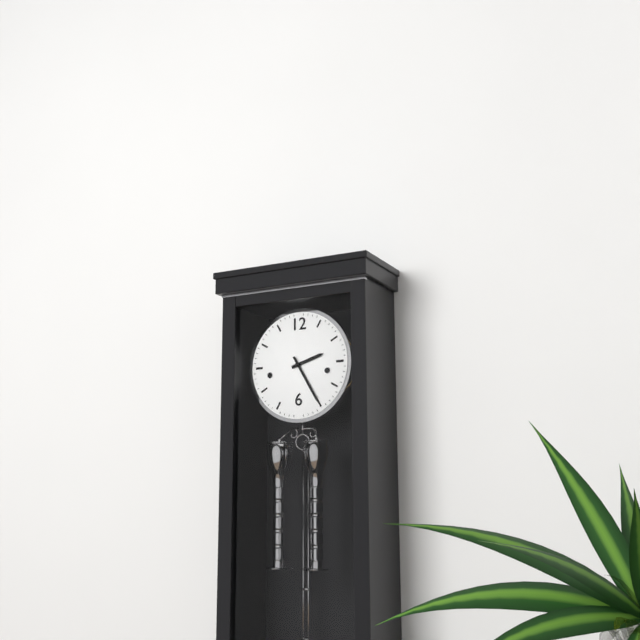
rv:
2.25
